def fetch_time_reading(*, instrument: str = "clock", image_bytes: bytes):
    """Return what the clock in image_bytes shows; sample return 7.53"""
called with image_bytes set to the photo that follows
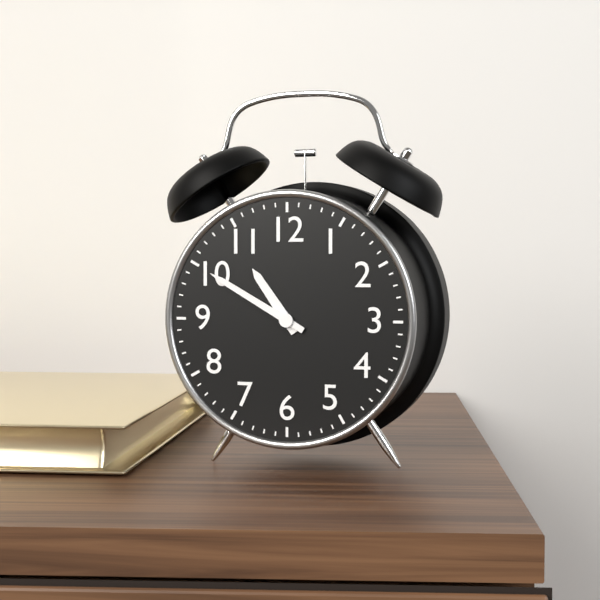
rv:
10.50
